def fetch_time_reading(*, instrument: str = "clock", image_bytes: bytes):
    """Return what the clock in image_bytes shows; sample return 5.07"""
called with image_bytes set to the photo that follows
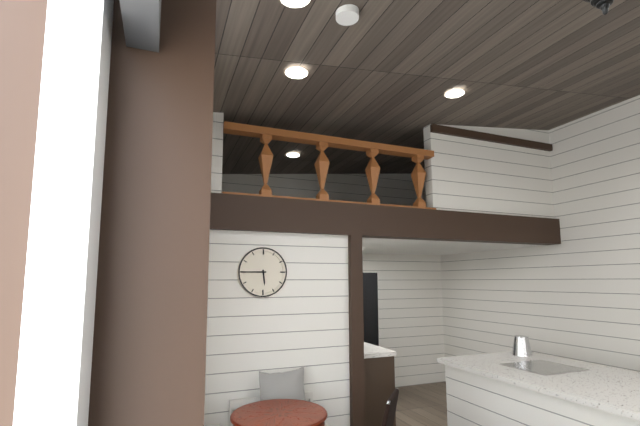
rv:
5.45
